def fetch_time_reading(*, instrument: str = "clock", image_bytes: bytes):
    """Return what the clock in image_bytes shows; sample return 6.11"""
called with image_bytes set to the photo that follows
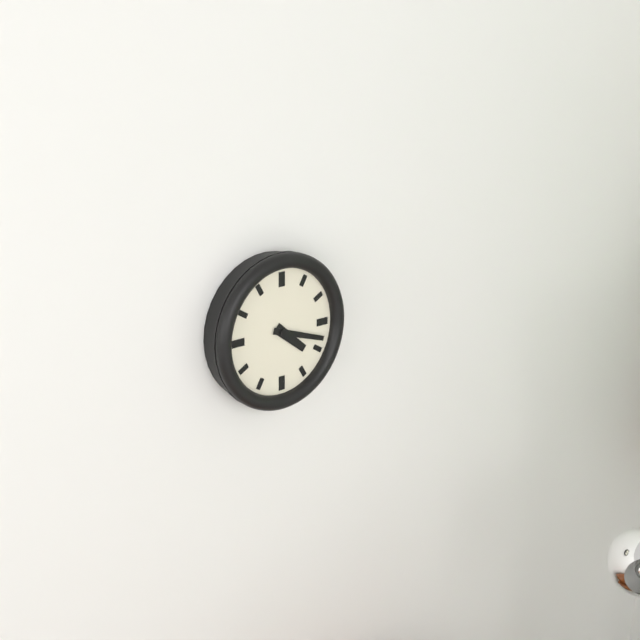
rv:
4.18
